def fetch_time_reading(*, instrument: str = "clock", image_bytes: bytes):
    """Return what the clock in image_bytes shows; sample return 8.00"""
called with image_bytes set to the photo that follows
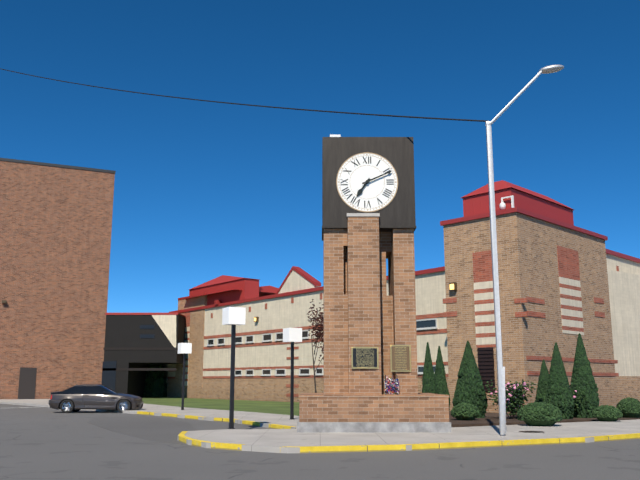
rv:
7.11
